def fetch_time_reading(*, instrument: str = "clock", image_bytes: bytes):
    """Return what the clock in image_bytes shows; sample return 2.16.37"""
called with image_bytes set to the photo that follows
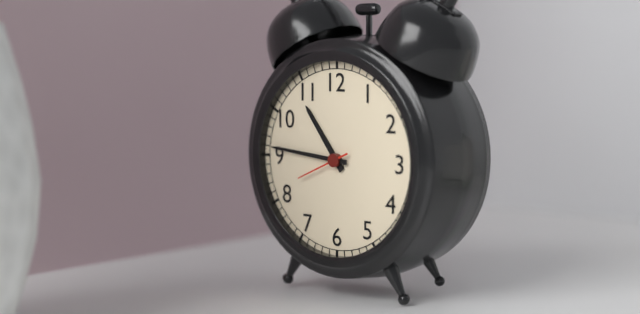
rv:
10.46.41
